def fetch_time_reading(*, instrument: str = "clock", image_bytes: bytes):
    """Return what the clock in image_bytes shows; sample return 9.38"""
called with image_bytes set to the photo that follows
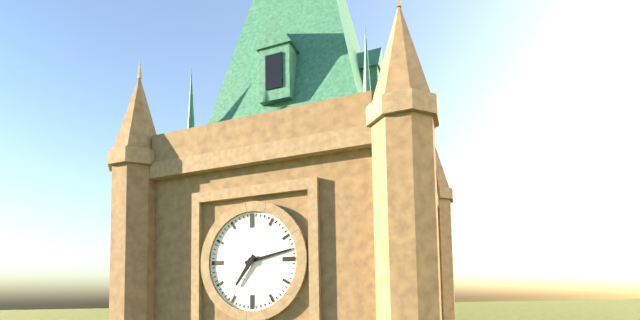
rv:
7.13
